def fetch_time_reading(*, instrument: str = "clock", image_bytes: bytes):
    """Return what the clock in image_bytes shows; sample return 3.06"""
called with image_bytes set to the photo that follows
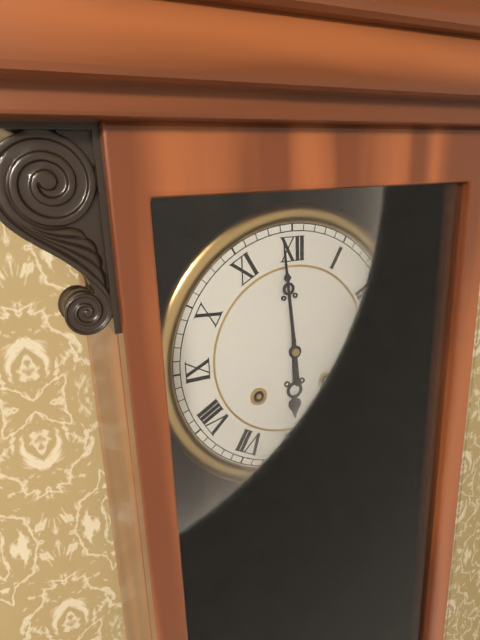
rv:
5.59
